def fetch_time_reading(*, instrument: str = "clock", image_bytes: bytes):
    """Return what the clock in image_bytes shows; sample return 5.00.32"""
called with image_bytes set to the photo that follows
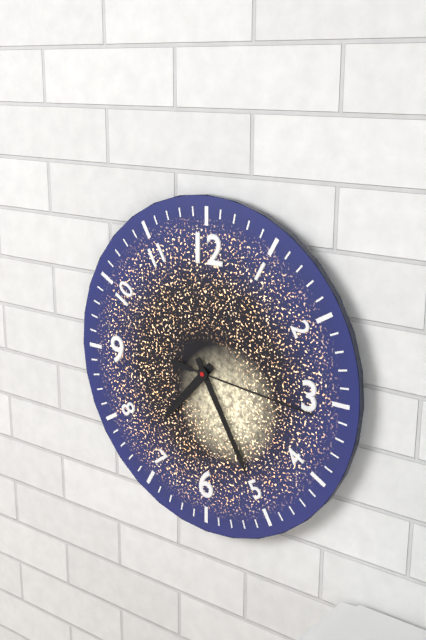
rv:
7.25.16
